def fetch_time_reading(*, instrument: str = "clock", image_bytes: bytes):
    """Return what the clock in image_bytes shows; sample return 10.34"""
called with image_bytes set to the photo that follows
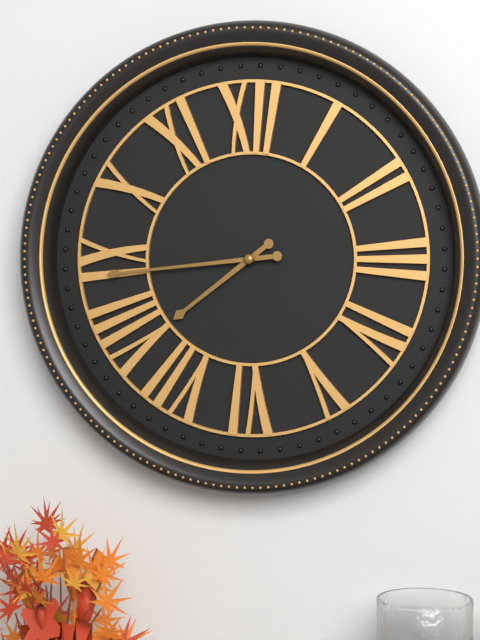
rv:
7.44
